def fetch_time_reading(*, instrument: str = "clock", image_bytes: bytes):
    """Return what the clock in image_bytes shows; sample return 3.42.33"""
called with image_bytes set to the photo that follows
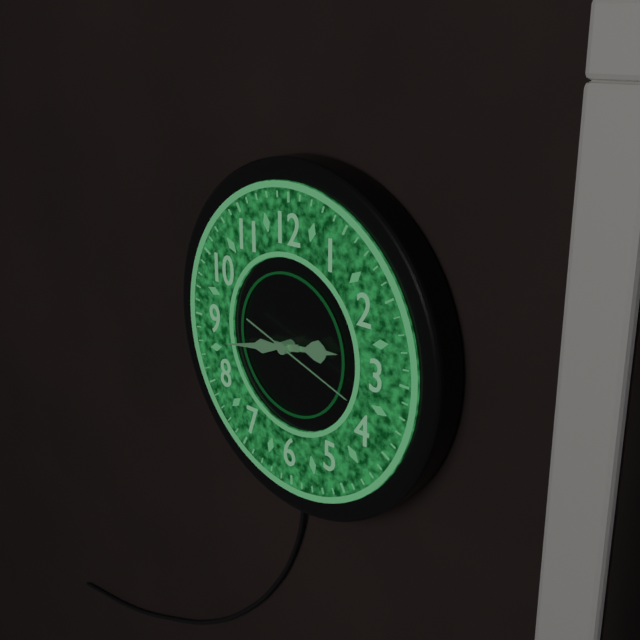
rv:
2.43.18
